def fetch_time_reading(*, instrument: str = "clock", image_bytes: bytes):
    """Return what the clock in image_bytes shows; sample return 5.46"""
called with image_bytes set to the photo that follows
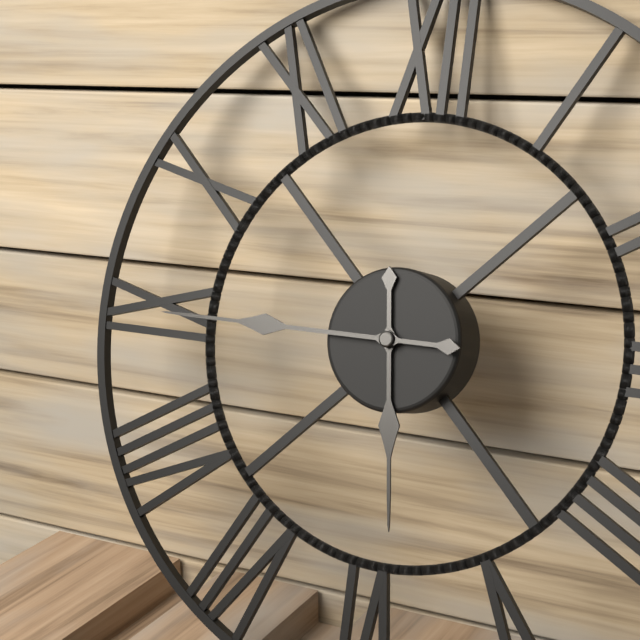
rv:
5.45
